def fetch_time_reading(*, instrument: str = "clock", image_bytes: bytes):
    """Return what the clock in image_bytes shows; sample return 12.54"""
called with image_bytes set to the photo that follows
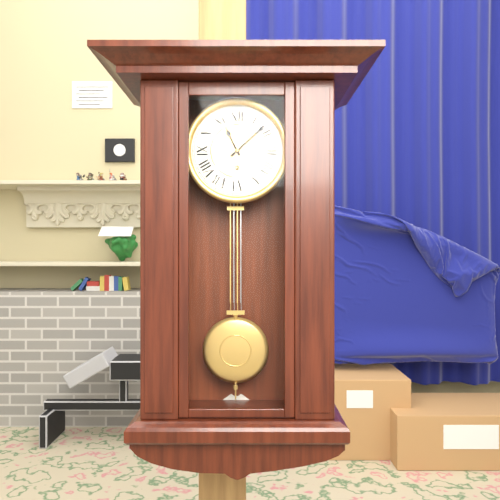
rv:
11.08
